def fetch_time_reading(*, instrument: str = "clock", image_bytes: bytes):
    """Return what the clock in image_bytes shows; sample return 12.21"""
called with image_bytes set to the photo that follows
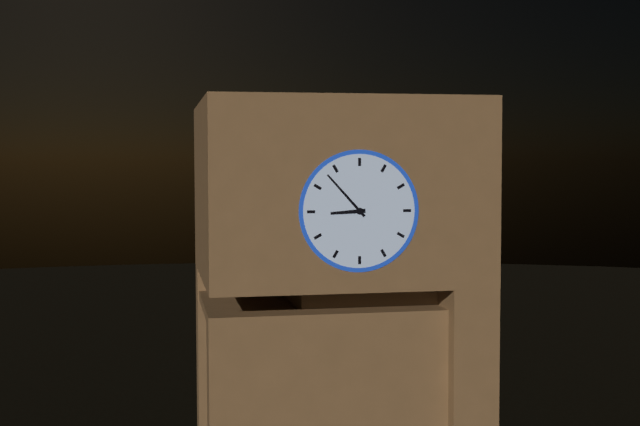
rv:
8.53
